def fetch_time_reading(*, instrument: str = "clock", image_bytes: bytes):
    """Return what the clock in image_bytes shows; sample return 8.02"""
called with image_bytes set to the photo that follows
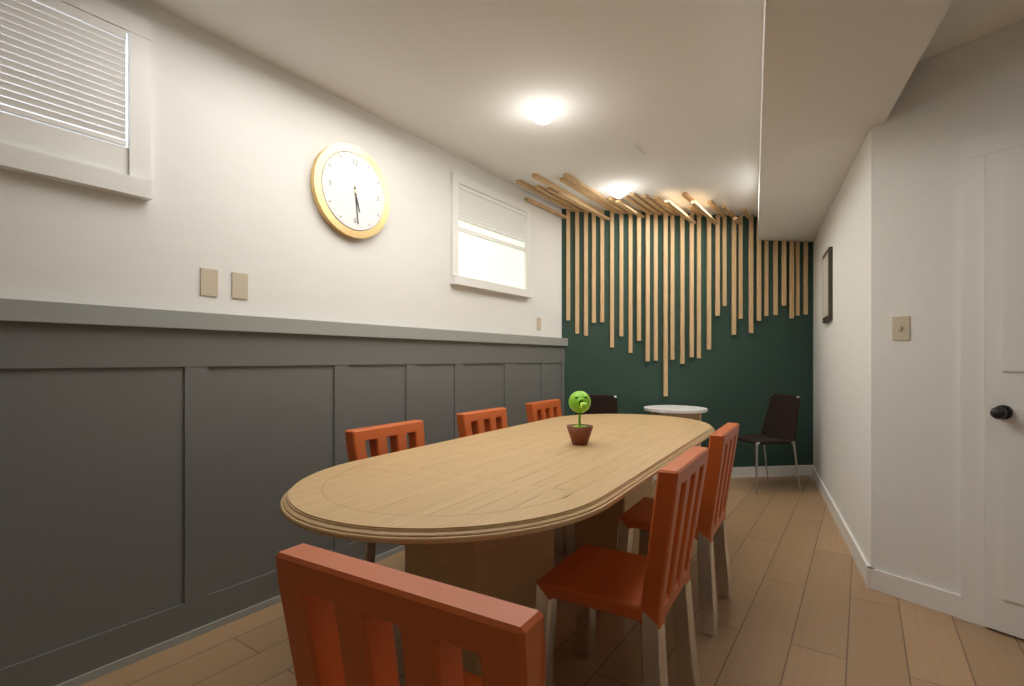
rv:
5.29
